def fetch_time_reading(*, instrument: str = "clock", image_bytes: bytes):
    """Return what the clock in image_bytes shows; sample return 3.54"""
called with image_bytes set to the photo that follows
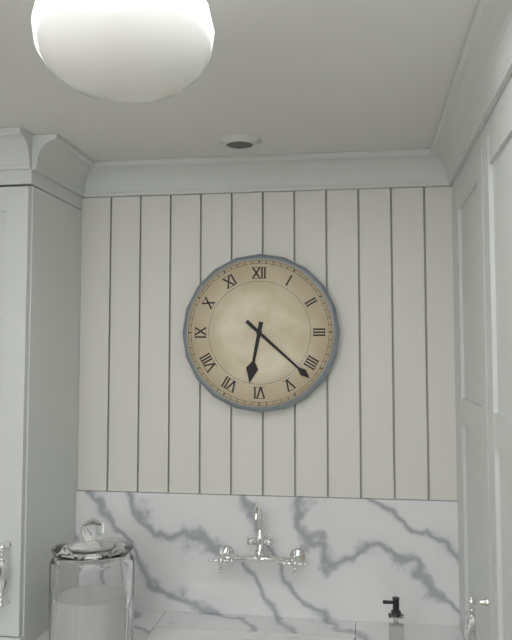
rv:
6.22
